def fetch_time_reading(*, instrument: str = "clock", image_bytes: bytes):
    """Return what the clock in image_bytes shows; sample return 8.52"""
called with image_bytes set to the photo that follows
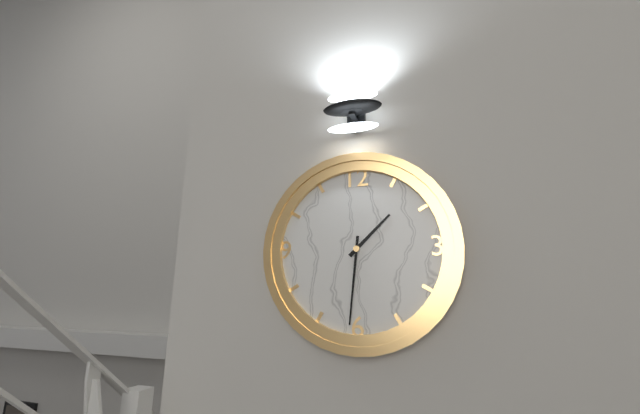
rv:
1.31
